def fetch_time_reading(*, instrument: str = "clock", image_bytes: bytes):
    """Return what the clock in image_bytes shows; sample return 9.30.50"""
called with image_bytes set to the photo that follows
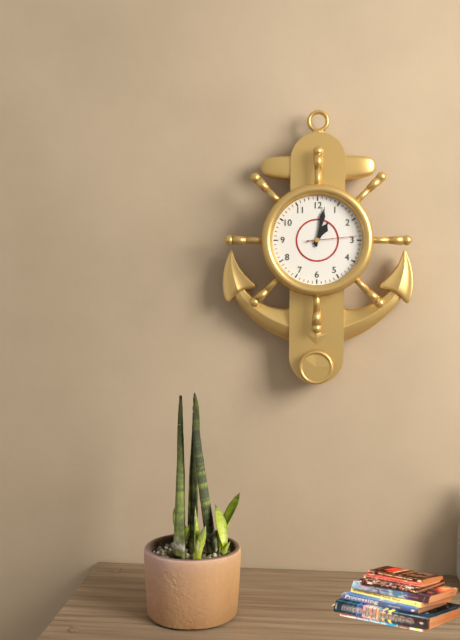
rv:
1.02.14
